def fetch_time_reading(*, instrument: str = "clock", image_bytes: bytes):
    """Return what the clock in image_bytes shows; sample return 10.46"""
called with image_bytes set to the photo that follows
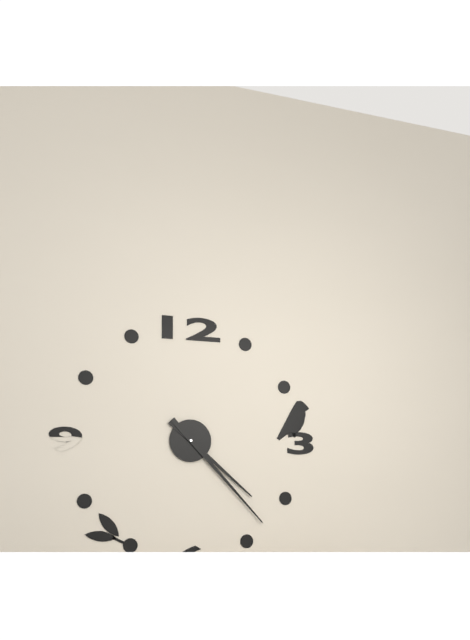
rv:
4.23
